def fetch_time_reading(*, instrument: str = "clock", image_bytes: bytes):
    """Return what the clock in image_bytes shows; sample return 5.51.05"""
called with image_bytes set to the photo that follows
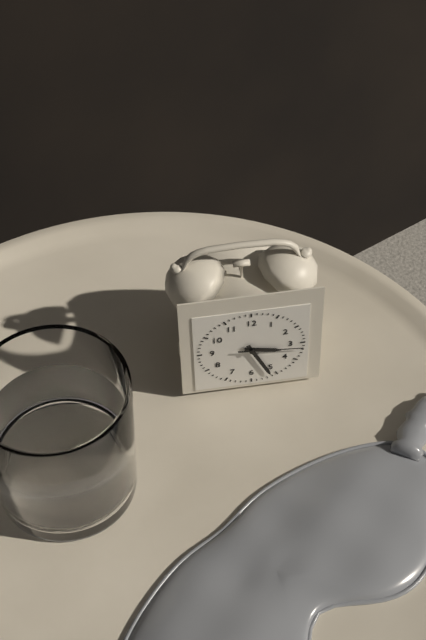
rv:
3.26.16
